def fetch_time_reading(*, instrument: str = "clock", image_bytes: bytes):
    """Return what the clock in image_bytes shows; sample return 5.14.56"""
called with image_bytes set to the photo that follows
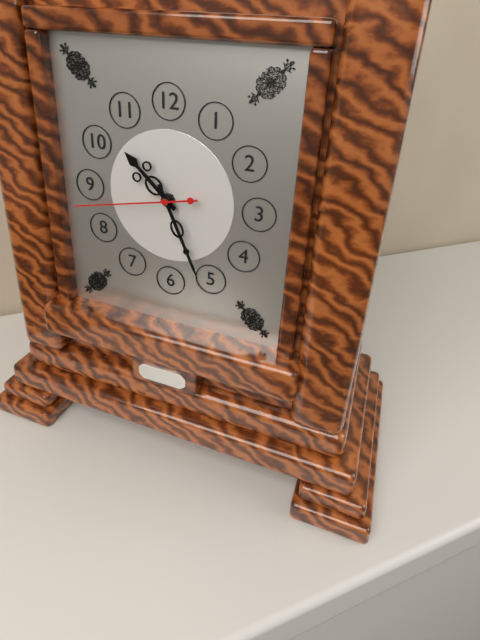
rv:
10.26.43
